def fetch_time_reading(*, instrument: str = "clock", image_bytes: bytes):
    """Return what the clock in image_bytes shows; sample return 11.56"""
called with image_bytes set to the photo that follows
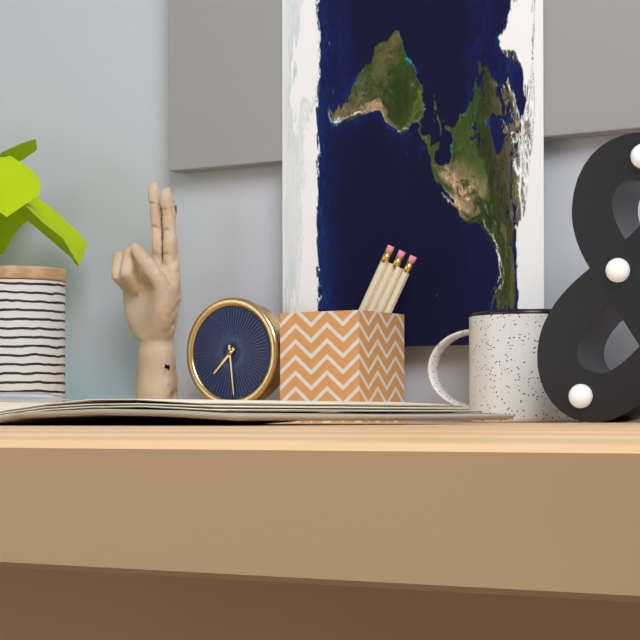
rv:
7.29
